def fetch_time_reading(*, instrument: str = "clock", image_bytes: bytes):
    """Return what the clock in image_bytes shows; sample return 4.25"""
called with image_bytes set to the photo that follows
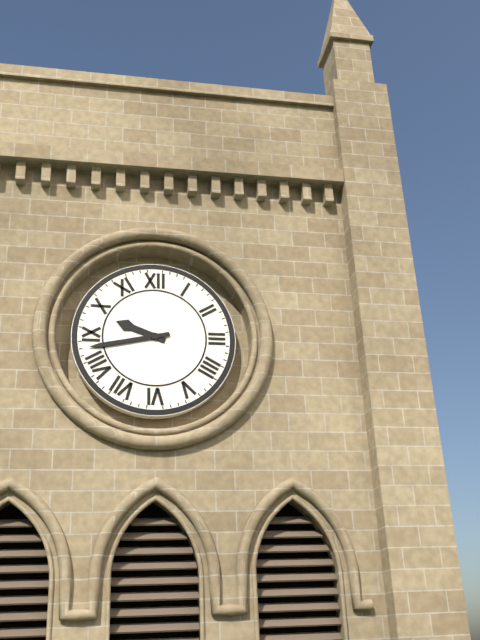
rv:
9.43
